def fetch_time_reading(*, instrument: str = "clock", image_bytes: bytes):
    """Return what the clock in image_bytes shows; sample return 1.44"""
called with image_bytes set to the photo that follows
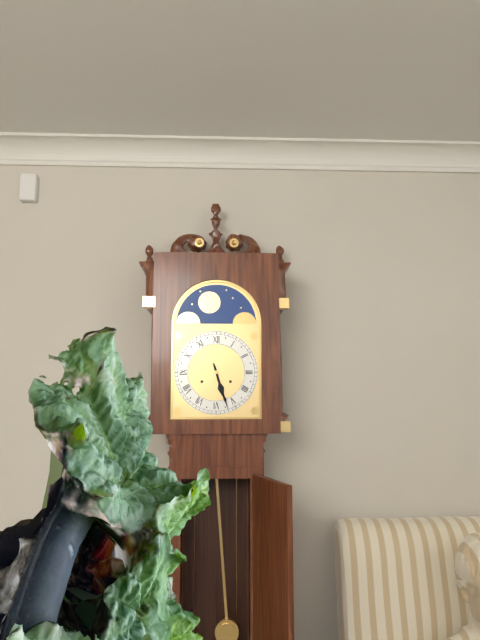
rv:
5.27
